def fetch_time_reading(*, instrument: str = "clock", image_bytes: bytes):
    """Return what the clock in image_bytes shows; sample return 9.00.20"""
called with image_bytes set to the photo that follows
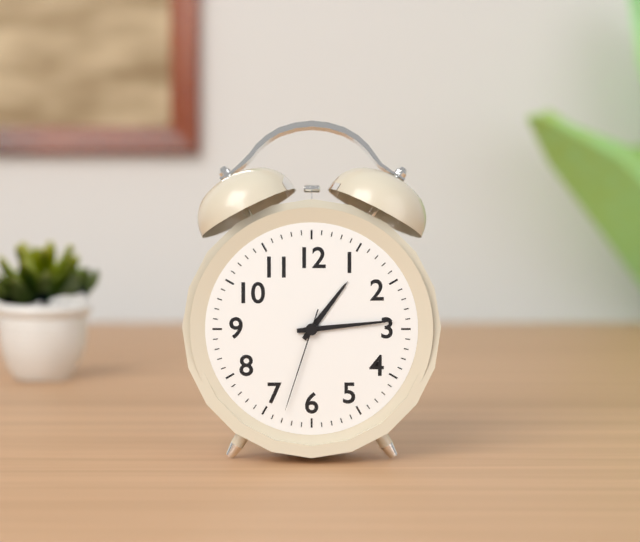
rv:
1.14.33
